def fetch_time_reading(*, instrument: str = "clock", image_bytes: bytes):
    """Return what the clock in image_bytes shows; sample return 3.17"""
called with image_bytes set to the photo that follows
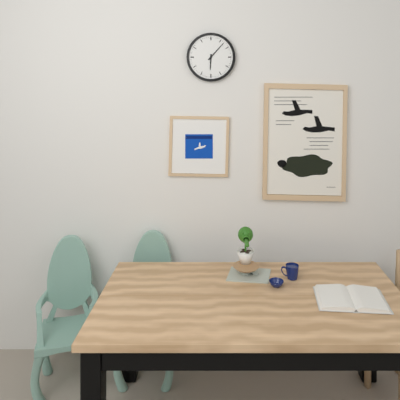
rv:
6.07
